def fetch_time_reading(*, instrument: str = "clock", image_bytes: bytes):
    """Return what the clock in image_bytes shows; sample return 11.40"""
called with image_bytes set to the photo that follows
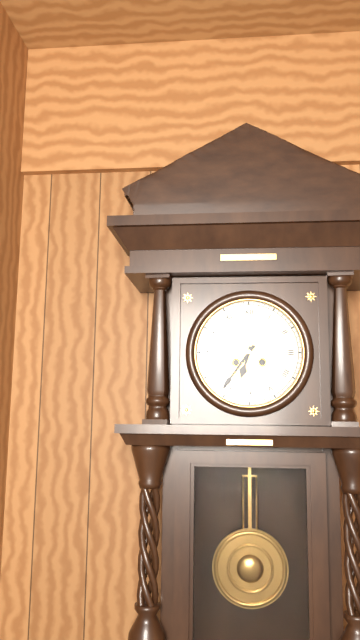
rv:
6.36
